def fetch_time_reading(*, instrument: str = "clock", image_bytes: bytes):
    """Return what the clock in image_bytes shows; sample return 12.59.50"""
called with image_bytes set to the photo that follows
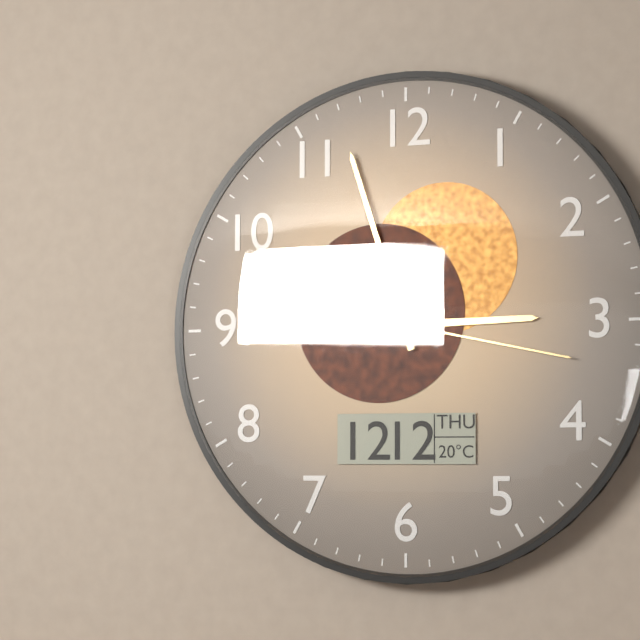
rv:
2.57.17
